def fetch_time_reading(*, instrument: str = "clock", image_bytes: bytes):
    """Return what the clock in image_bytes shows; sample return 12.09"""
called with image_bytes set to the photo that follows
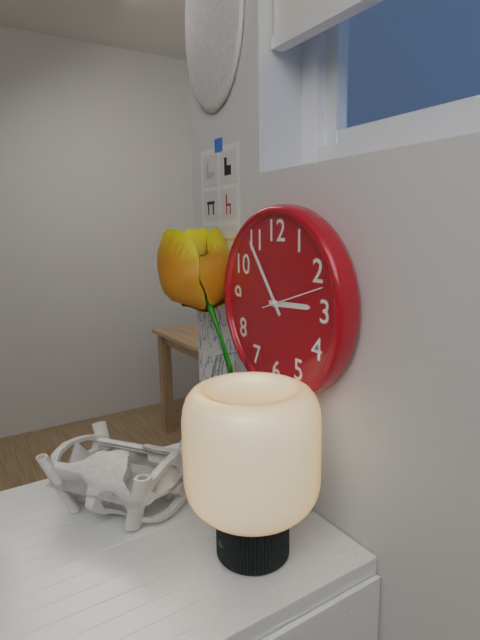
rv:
2.54
